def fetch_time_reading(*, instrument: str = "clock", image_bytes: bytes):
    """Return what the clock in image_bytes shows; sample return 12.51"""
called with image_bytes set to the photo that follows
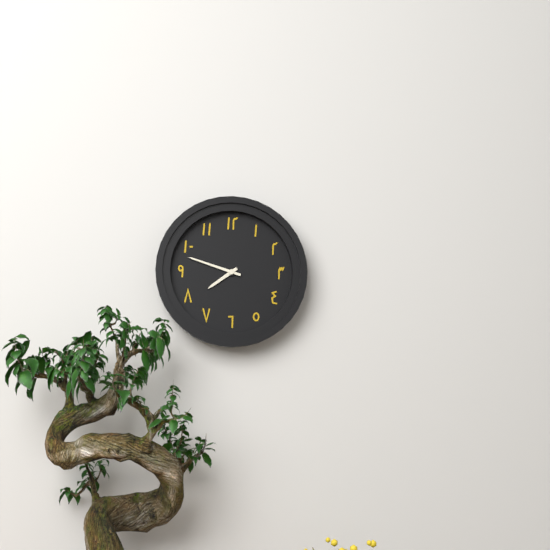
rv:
7.48
